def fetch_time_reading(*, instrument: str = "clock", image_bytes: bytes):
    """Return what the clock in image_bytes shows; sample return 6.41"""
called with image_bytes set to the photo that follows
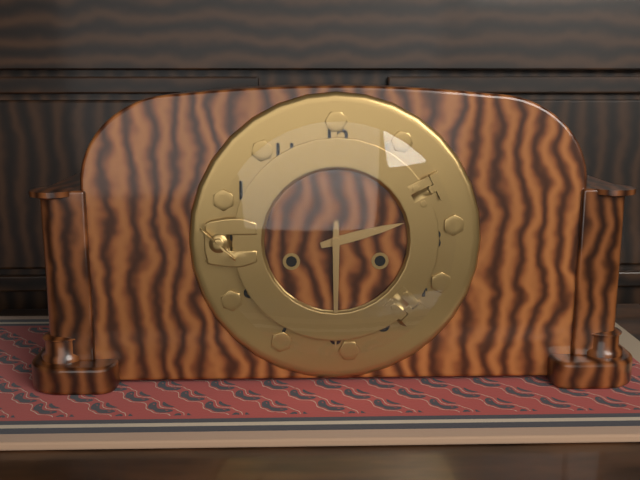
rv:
2.30
